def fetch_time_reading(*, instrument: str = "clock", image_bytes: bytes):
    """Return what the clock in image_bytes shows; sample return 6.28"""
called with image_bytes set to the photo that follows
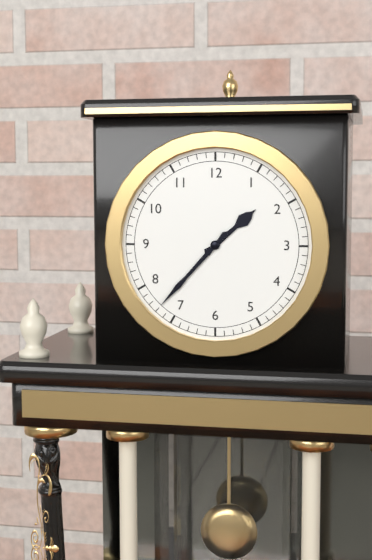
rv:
1.37
